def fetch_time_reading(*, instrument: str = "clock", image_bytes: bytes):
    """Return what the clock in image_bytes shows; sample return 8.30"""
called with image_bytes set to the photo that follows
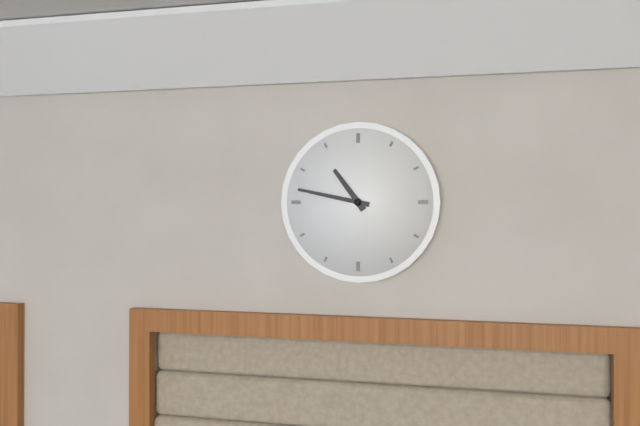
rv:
10.47
